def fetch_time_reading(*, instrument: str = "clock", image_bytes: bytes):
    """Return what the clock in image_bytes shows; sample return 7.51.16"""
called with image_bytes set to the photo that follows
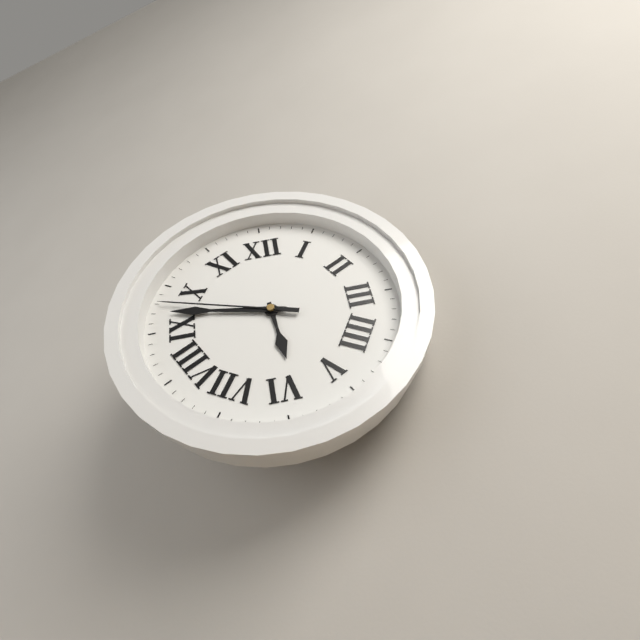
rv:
5.47.48
